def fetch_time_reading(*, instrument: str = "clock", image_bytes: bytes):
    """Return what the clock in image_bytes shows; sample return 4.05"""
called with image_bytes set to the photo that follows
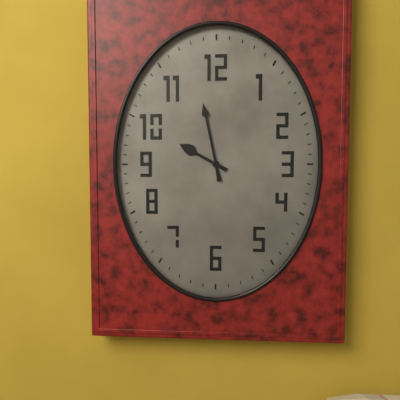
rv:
9.58
